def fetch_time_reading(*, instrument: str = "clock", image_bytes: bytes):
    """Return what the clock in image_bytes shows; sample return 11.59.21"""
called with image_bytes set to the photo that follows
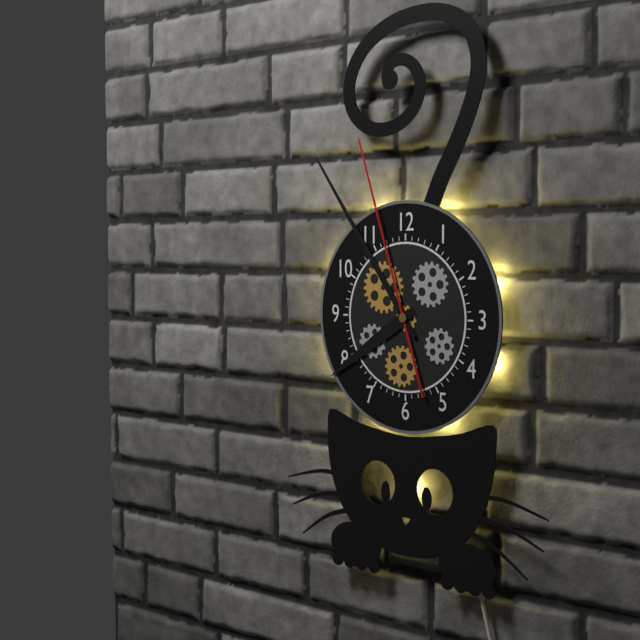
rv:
7.54.57
